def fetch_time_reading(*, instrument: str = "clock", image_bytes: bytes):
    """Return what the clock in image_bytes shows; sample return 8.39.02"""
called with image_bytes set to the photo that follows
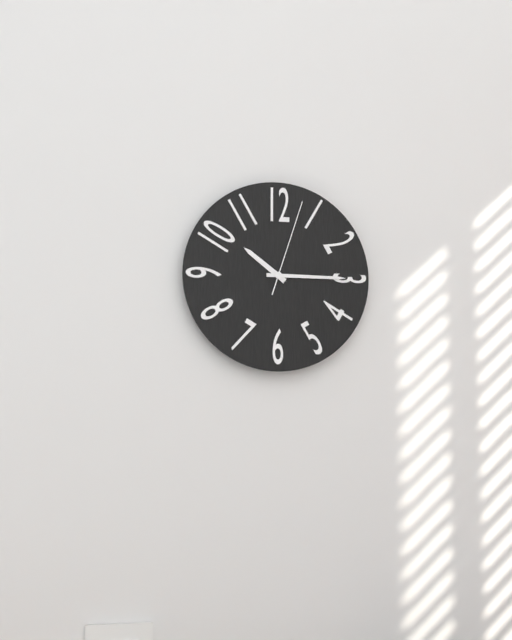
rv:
10.15.03
